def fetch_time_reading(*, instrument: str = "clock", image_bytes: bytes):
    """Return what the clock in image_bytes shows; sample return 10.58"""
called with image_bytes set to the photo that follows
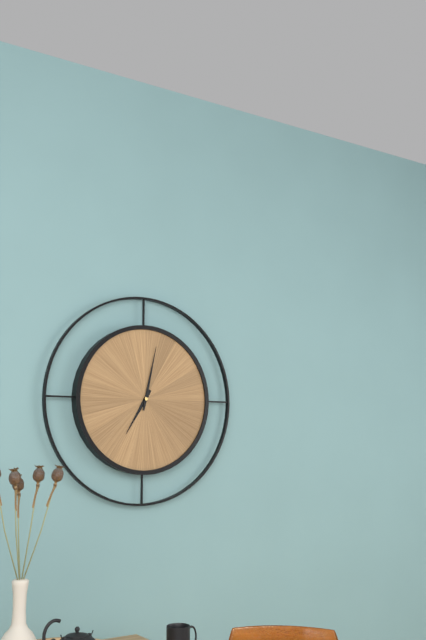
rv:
7.02
